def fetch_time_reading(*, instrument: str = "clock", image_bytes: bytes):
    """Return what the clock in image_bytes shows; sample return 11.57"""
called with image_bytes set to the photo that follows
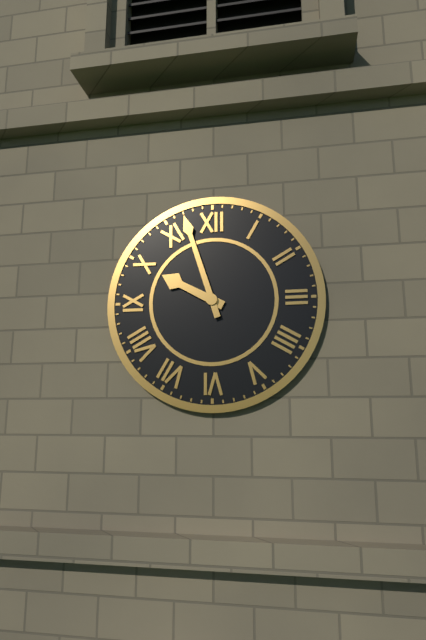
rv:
9.57
